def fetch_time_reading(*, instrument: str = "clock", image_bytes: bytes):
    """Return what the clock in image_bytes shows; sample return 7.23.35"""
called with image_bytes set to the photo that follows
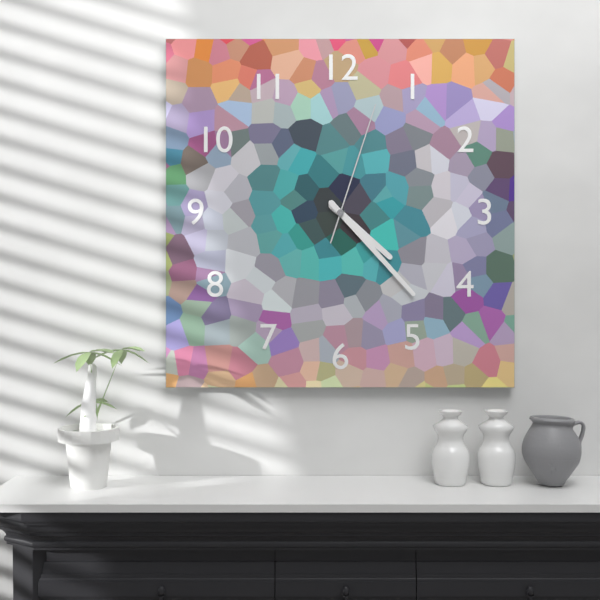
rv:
4.23.03
